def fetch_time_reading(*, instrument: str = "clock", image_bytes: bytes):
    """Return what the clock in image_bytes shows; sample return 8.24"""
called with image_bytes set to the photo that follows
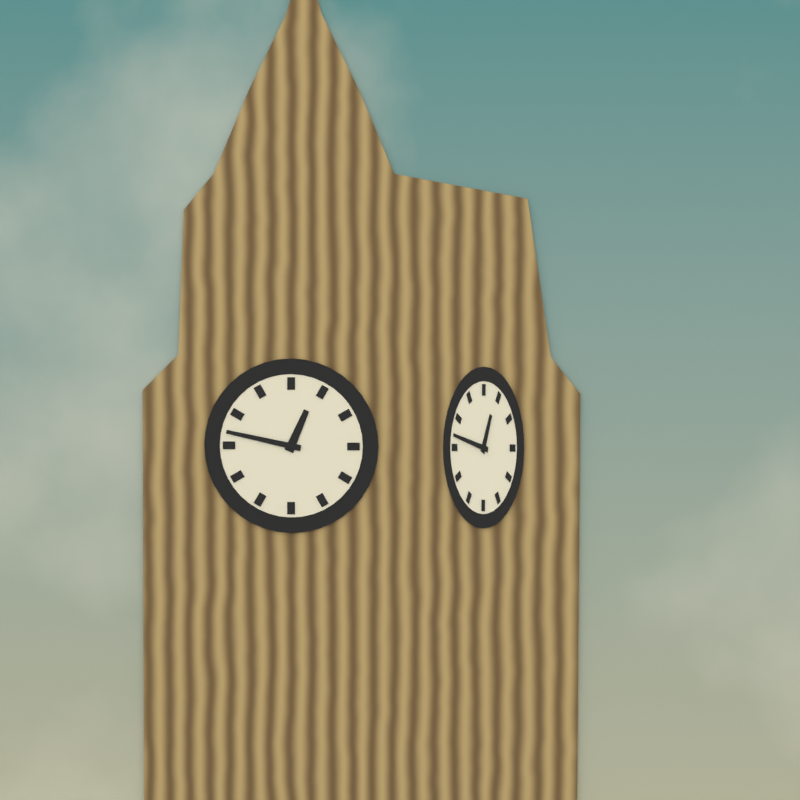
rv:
12.47
